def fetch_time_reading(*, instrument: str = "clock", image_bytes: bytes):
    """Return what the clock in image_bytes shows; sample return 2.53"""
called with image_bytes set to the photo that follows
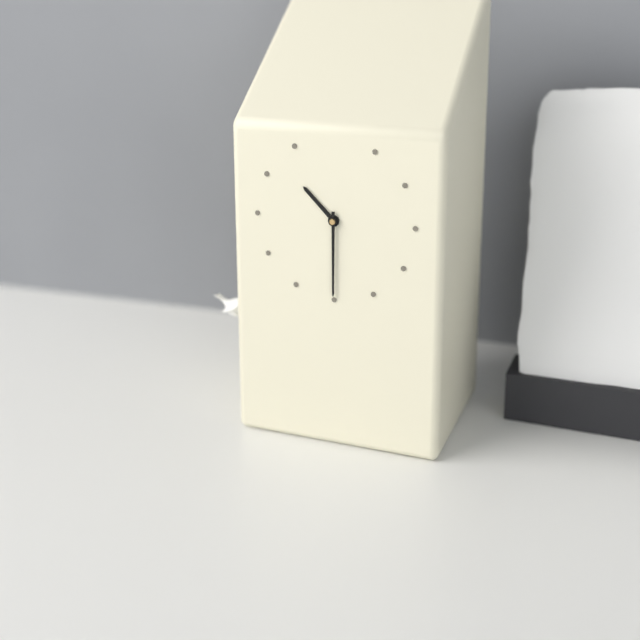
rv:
10.30
